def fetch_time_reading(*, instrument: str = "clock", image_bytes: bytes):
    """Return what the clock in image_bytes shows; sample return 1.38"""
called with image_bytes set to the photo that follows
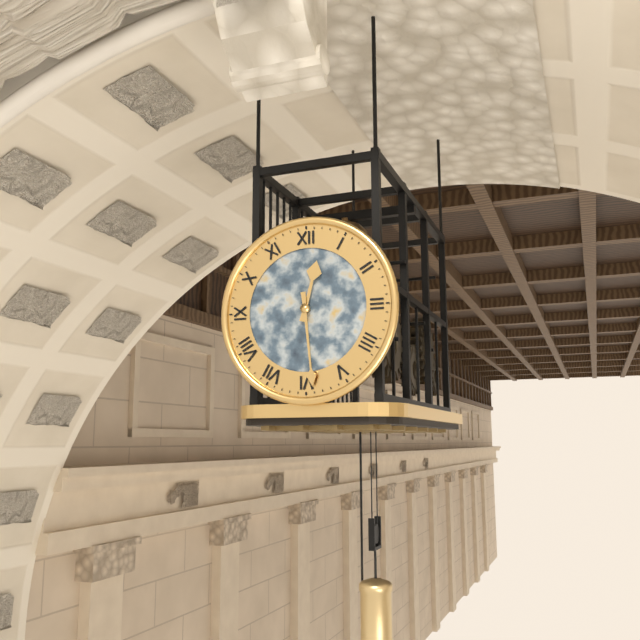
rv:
12.29
